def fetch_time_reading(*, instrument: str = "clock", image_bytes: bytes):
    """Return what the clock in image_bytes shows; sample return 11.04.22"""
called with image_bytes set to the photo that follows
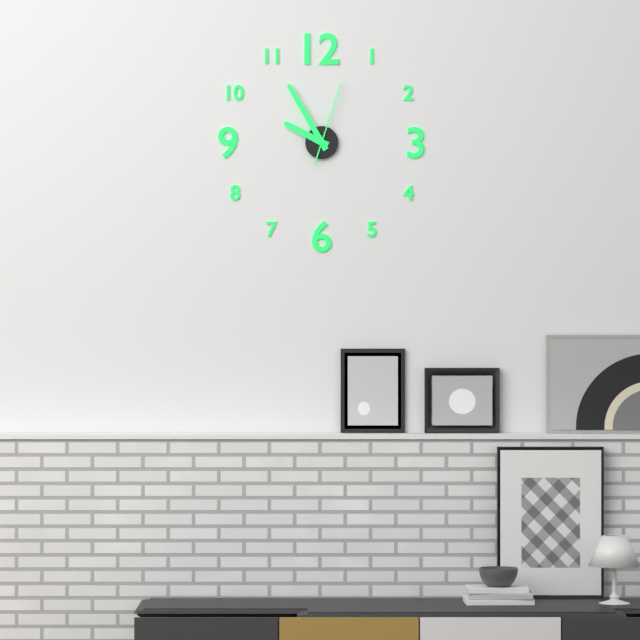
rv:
9.55.03
